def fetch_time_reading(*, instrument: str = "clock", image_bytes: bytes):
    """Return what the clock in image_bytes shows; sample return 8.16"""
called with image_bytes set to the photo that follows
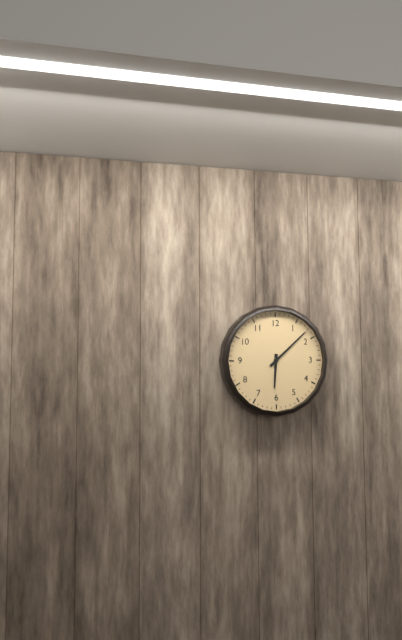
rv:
6.08
